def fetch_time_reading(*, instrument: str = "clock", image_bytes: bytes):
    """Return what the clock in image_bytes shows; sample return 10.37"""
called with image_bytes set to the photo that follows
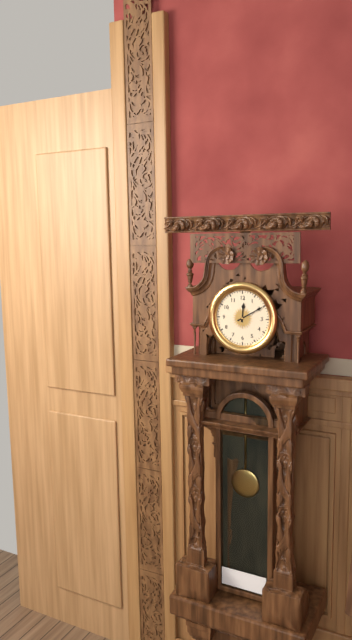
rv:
12.10
